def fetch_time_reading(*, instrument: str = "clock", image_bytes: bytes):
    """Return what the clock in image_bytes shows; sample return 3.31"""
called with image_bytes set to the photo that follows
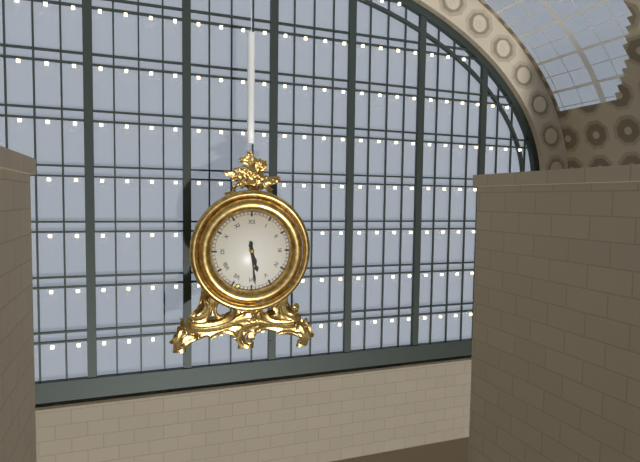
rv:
5.29
